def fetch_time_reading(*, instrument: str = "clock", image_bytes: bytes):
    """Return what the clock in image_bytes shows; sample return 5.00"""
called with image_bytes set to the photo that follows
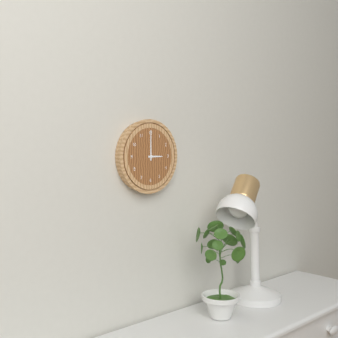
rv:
3.00
